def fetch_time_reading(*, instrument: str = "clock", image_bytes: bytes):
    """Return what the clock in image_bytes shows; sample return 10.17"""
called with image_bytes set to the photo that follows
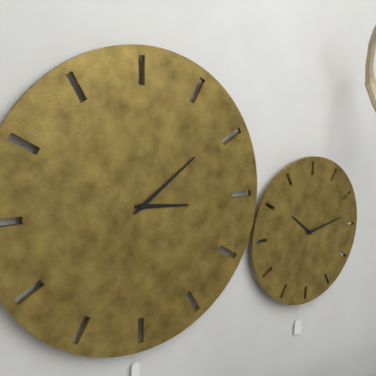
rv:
3.09
